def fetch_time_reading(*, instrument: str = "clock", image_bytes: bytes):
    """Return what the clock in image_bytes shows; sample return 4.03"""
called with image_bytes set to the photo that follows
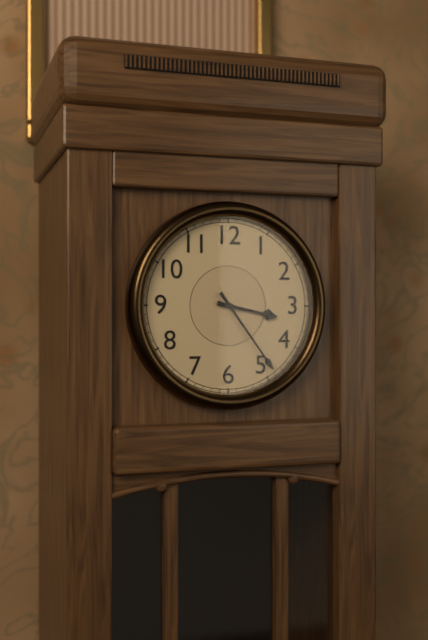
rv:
3.24
